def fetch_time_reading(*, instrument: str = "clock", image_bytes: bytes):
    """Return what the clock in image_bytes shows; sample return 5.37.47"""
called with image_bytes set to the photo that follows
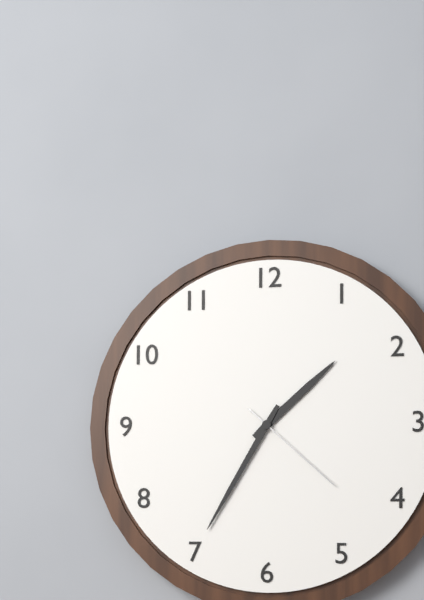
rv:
1.35.22
